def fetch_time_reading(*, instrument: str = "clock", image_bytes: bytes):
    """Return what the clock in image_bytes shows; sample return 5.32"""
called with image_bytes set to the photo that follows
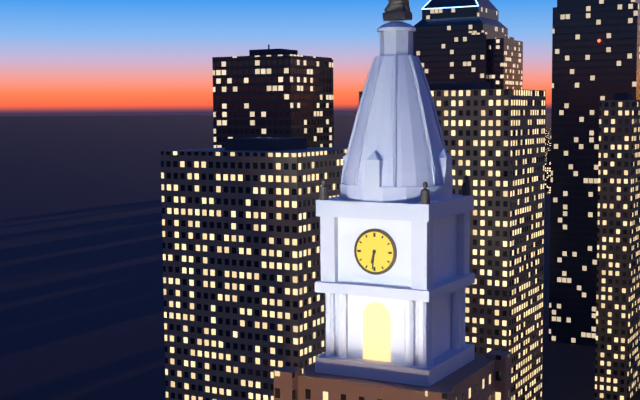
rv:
6.31
